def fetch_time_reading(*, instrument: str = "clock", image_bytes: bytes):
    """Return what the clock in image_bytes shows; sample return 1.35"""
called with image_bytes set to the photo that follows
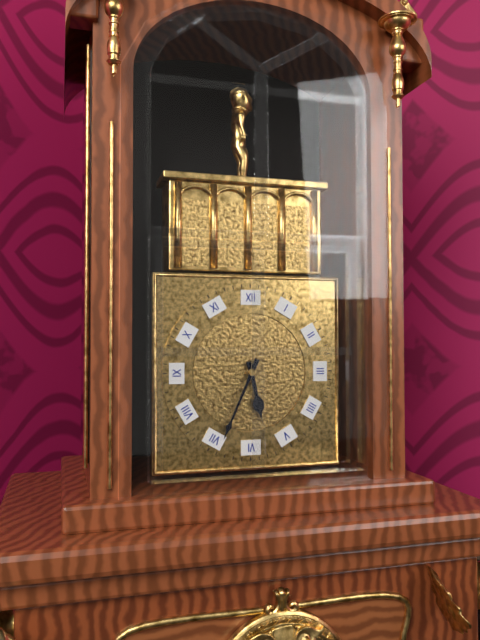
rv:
5.34
